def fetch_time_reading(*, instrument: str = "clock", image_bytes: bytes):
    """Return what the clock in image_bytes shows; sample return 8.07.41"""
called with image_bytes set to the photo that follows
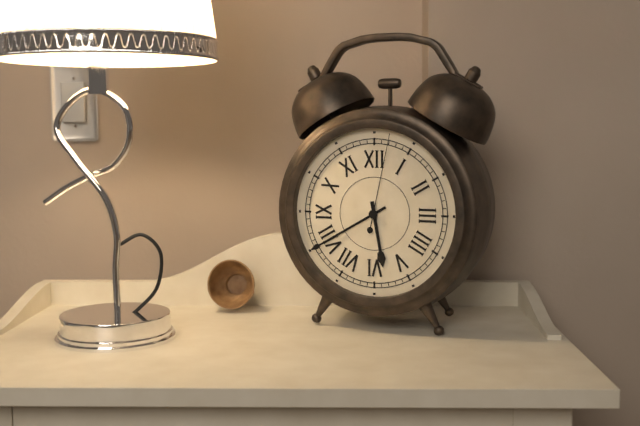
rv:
5.40.02
